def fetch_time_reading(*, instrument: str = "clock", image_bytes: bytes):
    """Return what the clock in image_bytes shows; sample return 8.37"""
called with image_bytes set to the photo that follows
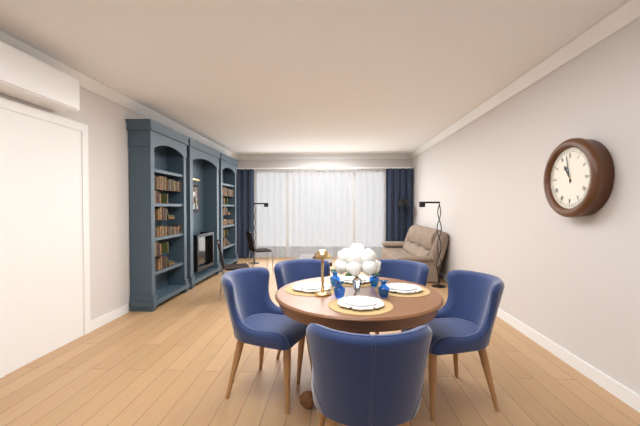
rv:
10.58
